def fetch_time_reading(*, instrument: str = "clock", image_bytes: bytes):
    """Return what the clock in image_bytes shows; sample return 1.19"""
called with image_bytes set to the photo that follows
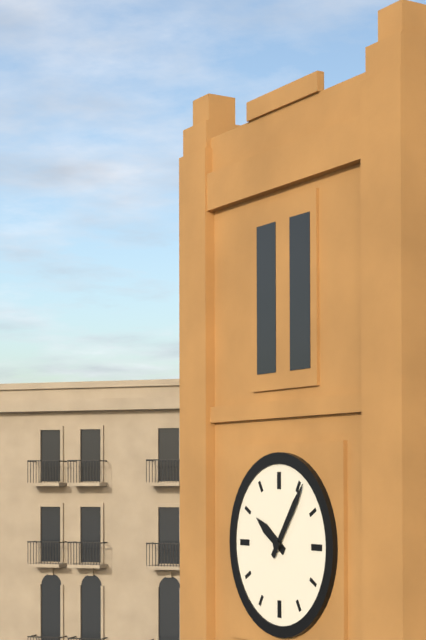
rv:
10.06
